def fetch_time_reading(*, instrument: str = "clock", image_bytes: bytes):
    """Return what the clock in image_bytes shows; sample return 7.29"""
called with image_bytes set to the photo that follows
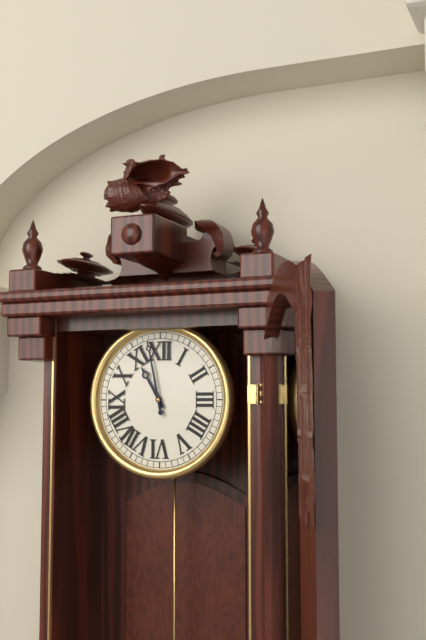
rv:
10.58
